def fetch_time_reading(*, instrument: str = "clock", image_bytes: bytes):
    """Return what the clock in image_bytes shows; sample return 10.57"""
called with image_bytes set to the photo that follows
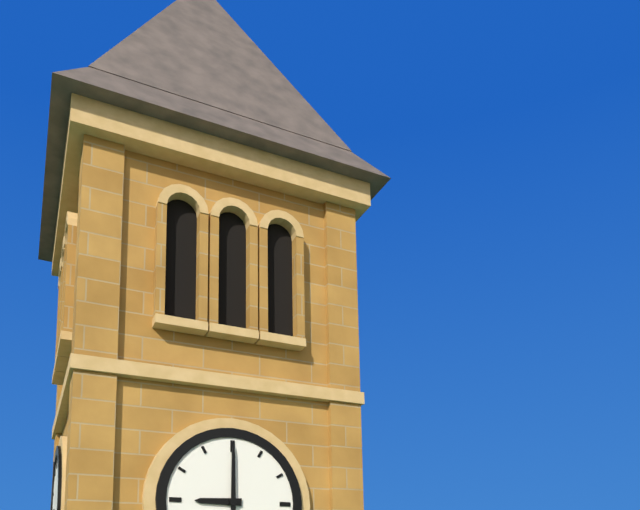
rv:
9.00
